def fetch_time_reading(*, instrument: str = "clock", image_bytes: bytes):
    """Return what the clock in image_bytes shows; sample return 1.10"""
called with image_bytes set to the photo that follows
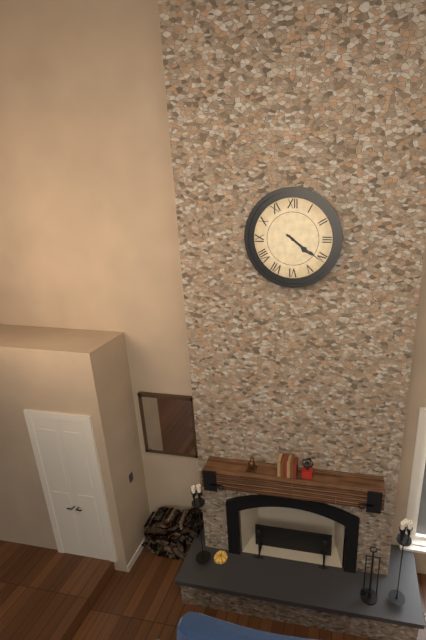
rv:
4.21
